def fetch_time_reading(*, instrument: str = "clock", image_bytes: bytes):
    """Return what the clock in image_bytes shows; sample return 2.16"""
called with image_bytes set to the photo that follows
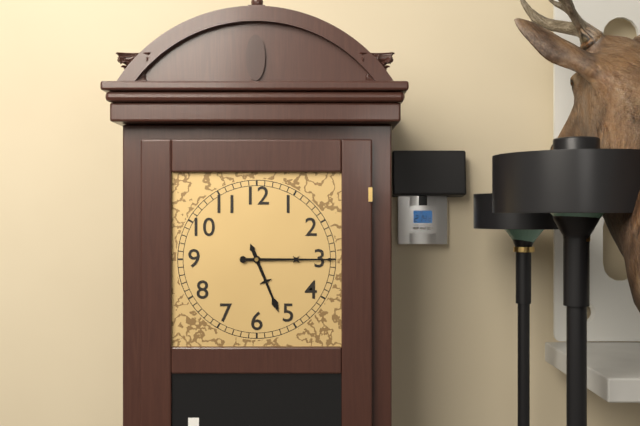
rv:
5.15
